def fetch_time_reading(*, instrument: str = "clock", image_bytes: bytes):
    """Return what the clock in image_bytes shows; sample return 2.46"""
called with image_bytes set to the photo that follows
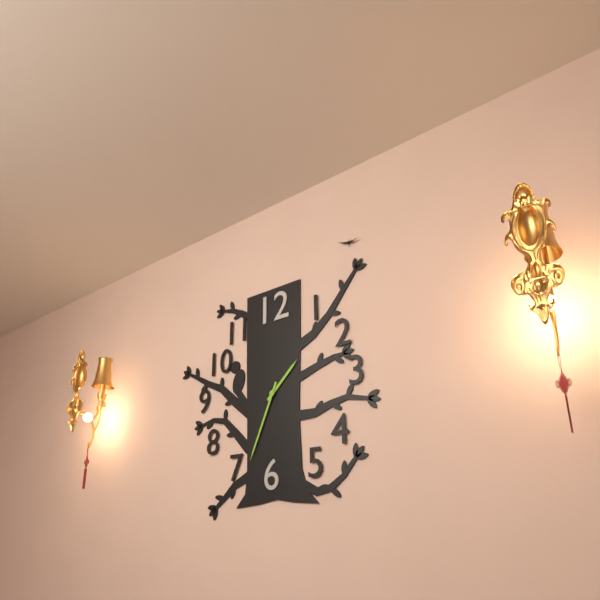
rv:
1.34
